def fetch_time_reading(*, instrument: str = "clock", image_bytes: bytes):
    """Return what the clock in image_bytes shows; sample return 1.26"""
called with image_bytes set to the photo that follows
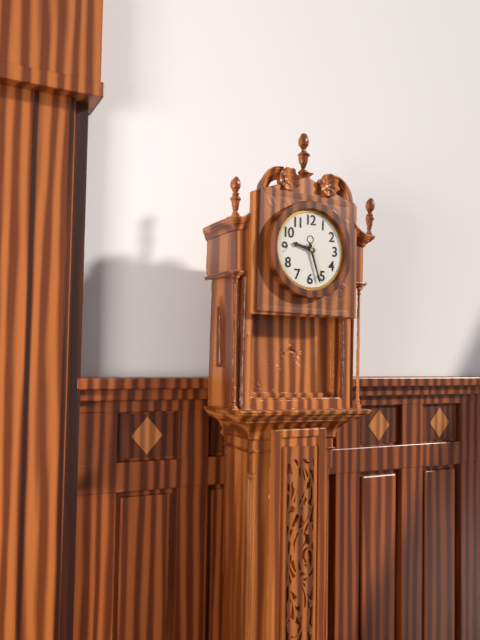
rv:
9.27
